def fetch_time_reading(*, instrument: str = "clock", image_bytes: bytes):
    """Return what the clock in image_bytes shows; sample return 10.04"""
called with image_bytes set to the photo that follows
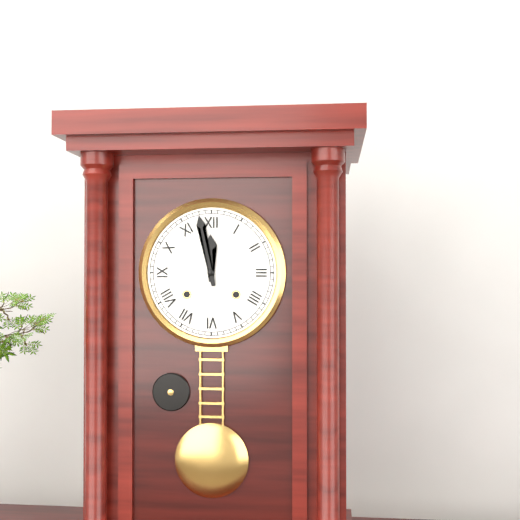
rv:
11.58
